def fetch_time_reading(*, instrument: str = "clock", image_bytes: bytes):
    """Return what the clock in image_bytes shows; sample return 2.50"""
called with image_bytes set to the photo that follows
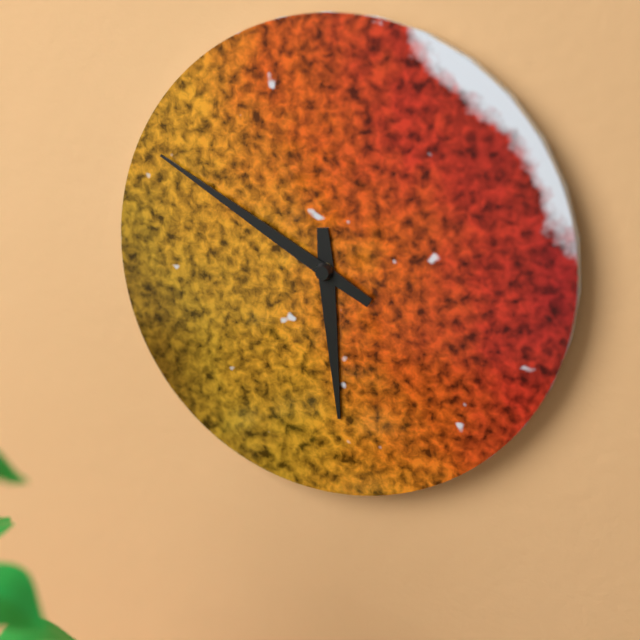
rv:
5.50
